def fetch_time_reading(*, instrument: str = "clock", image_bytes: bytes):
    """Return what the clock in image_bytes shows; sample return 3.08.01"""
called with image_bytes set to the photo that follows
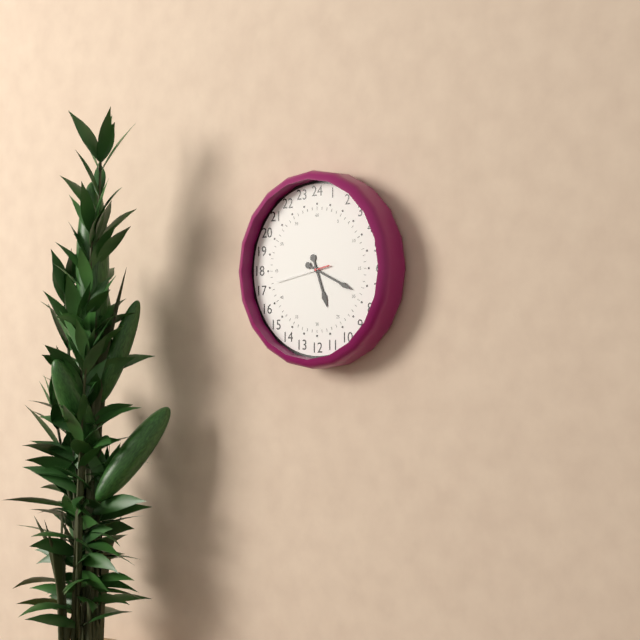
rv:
5.19.43
